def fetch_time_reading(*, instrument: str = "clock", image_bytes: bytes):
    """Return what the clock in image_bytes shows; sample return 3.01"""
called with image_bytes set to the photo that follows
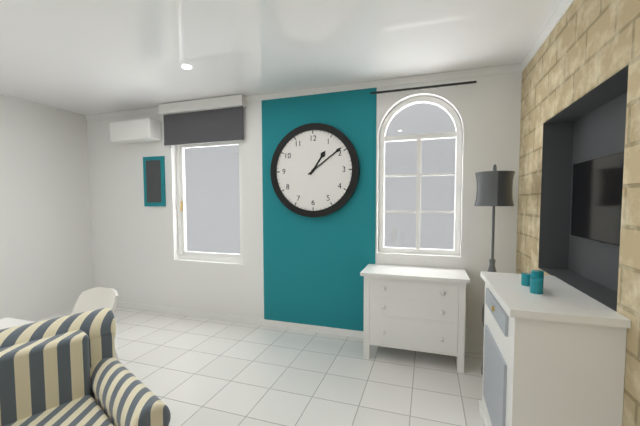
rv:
1.09
